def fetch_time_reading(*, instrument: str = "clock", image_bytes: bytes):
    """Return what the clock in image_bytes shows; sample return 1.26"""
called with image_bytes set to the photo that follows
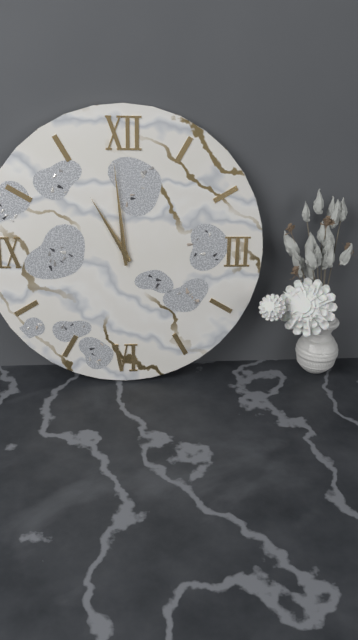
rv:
10.59
